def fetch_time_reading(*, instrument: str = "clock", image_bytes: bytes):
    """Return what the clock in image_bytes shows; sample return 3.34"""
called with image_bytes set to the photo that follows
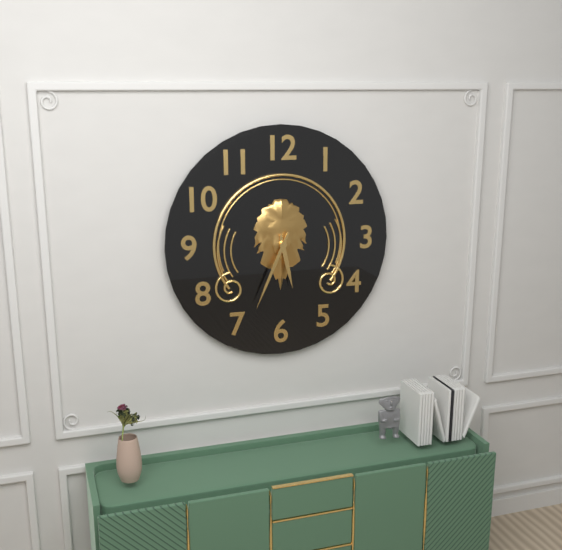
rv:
5.34
